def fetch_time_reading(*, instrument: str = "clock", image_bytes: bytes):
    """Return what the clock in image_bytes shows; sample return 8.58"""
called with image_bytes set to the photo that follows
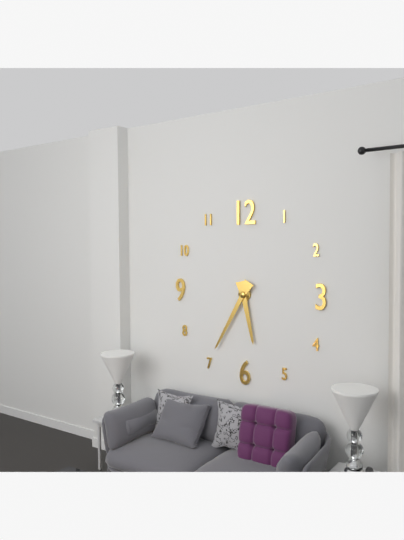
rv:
5.35
